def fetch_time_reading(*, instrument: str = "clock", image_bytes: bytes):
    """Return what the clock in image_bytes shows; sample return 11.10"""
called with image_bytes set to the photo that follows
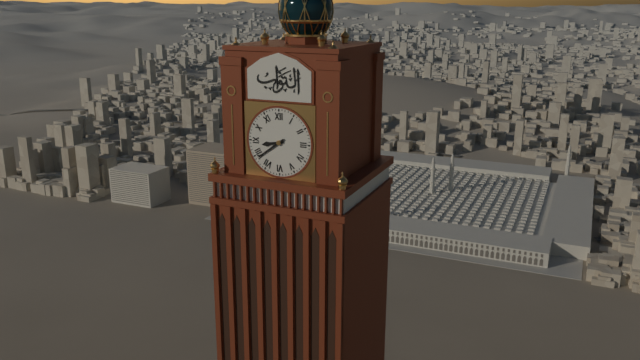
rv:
8.39
